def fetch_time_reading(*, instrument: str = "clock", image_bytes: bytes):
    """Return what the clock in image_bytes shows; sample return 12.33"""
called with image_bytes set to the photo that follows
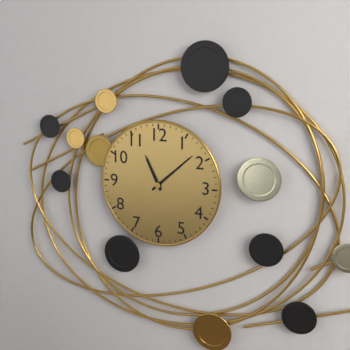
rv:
11.08
